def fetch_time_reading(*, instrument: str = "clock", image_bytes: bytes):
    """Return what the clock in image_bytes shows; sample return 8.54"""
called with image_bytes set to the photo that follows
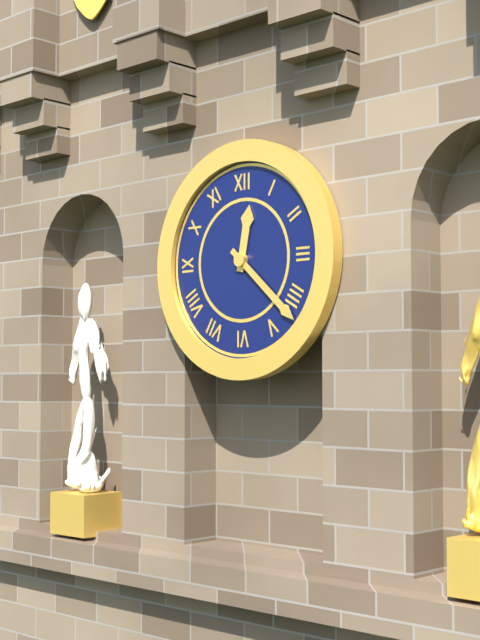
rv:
12.22
